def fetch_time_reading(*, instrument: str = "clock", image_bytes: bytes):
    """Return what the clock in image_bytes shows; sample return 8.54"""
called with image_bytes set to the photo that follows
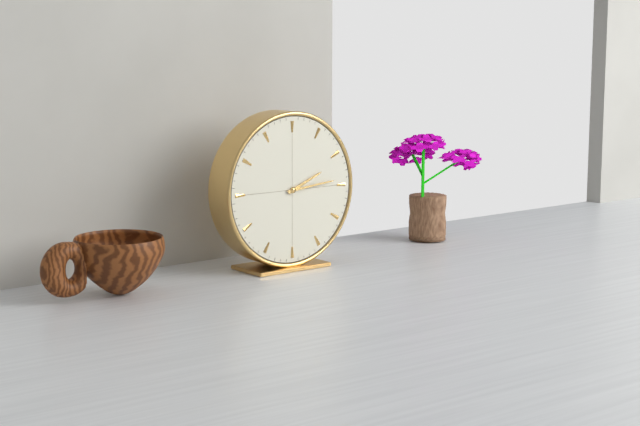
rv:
2.14
